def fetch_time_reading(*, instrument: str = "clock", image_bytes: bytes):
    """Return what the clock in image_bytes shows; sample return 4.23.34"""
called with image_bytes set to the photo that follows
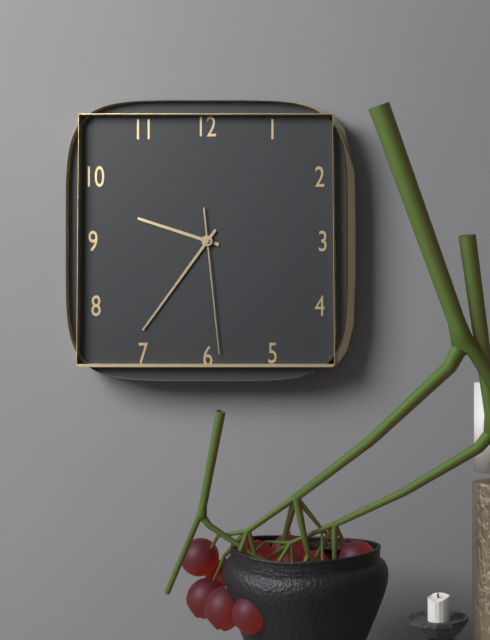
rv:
9.36.29
